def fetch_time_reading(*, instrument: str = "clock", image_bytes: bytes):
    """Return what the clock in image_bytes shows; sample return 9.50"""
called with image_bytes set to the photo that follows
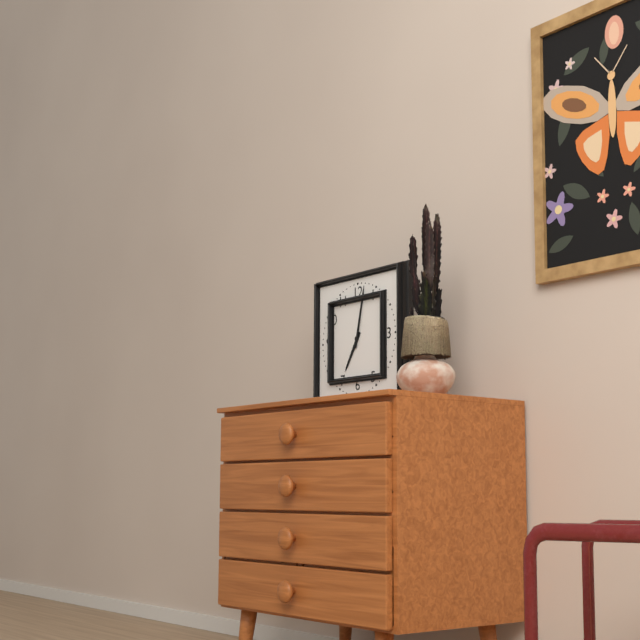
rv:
7.02
